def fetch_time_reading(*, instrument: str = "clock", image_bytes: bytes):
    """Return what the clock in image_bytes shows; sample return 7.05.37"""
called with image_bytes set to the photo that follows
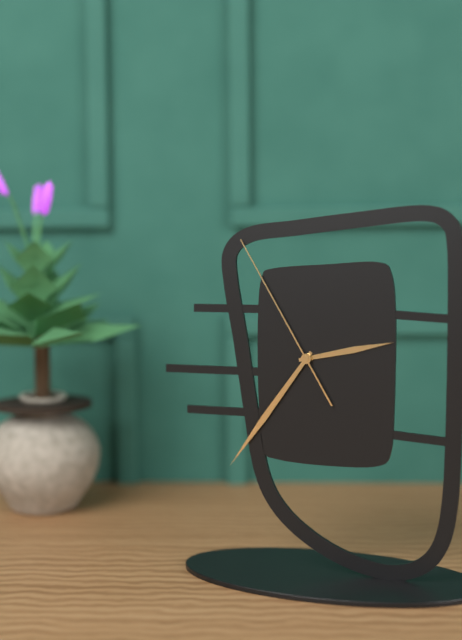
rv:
2.36.55
